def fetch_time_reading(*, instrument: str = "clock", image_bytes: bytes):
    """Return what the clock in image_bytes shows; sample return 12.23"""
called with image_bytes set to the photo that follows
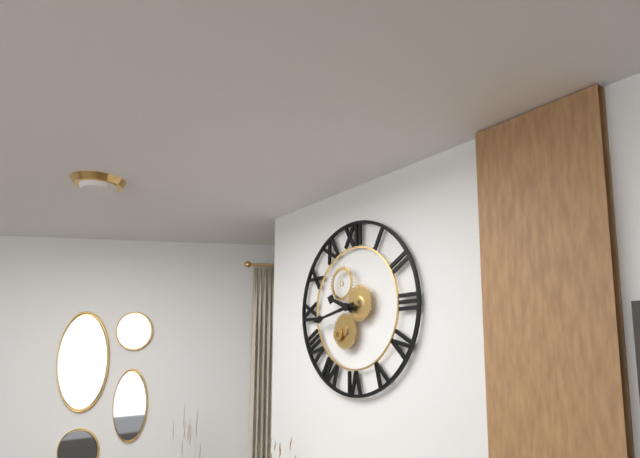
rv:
9.43
